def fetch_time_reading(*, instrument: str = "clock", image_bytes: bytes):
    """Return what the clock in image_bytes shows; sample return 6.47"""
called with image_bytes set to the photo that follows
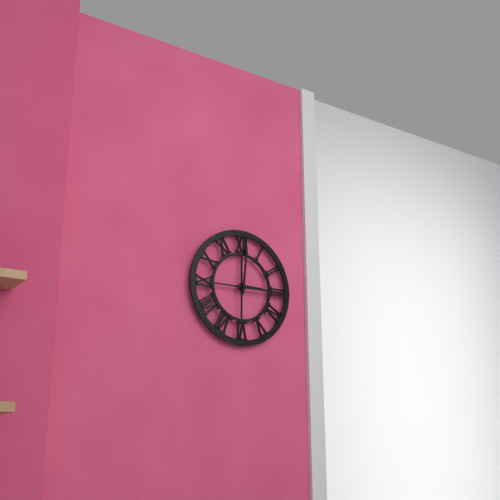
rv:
3.01
